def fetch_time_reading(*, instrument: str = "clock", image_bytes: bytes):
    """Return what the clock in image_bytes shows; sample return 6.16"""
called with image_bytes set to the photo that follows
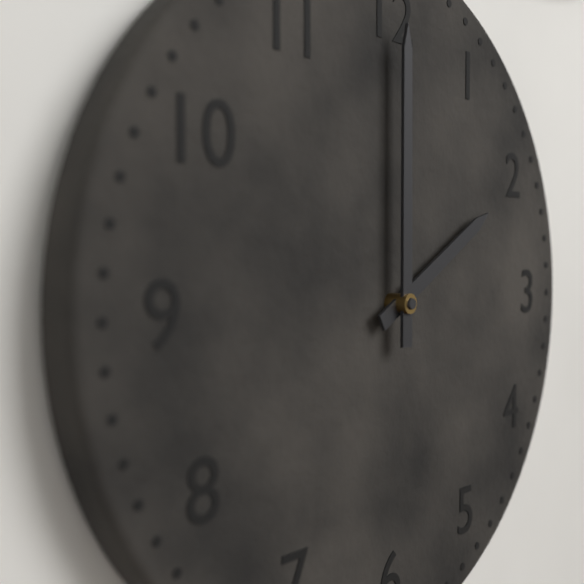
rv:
2.00
